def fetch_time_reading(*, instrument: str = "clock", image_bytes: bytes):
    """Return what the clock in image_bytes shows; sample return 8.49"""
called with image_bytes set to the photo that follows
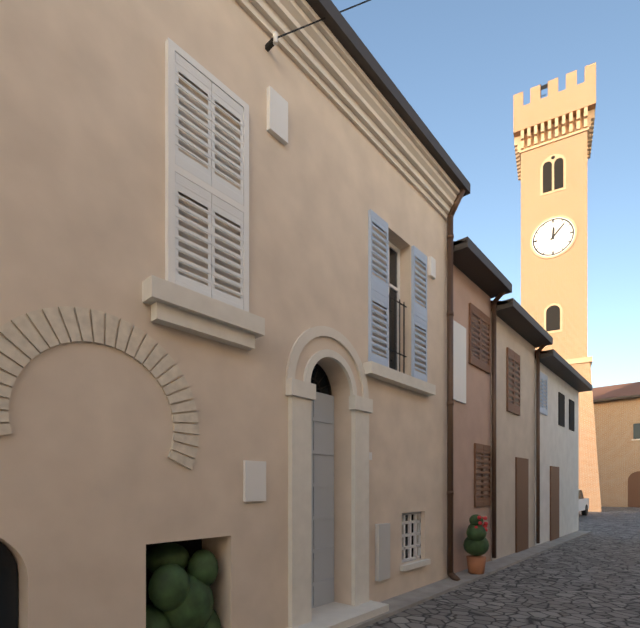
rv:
12.07
